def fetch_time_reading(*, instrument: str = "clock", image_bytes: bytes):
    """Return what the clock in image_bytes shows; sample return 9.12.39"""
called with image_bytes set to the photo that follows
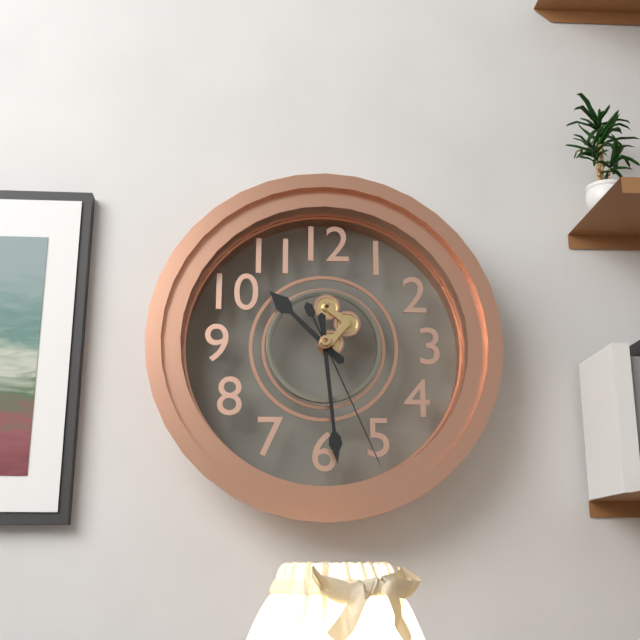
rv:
10.29.26
